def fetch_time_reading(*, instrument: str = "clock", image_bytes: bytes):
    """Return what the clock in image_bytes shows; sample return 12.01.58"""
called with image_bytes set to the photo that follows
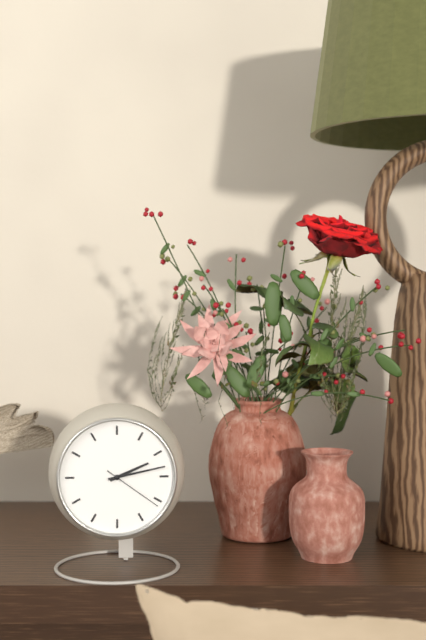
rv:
2.13.21
